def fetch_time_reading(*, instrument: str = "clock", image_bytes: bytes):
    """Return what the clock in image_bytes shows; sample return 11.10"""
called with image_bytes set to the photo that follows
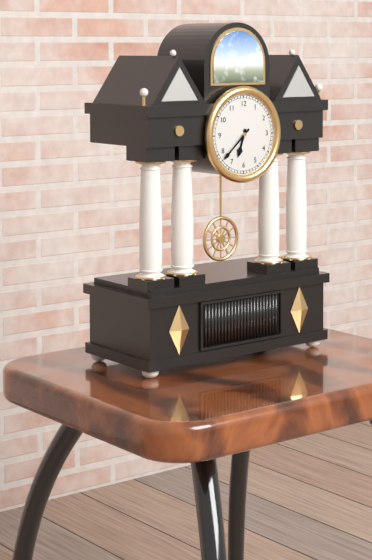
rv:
6.38
